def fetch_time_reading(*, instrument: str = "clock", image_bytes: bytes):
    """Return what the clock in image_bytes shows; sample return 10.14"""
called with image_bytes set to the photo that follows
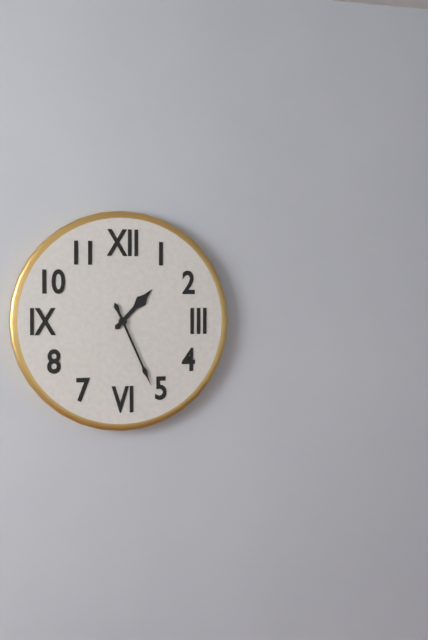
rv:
1.26
